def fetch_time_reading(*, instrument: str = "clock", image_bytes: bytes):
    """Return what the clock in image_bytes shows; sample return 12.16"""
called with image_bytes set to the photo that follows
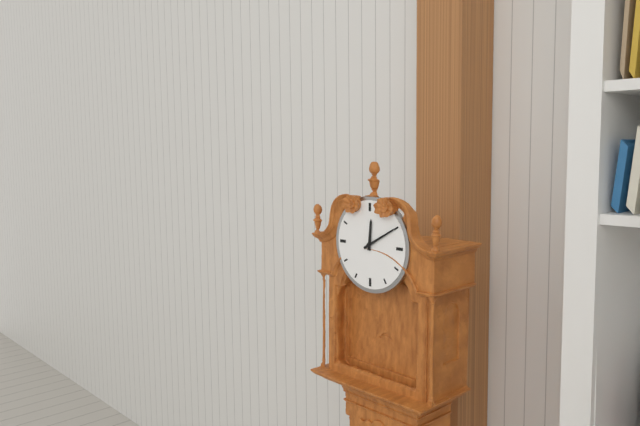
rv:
12.10
